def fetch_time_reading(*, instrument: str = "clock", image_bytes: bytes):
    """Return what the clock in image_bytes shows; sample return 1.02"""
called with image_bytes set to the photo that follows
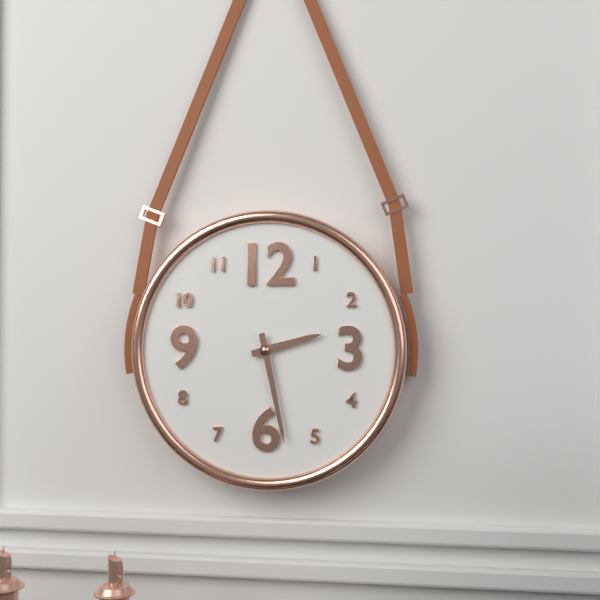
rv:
2.28
